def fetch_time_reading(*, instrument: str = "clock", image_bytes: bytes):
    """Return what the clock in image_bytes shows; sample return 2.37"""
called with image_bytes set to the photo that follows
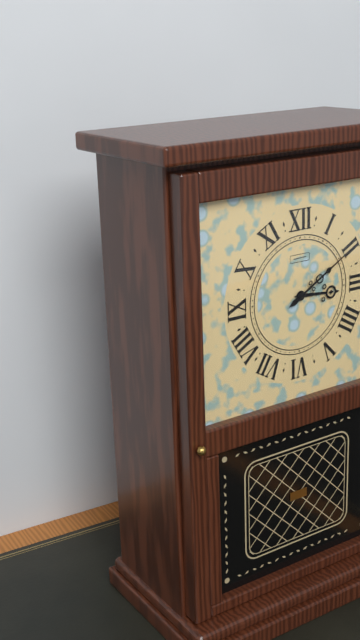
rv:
3.10
